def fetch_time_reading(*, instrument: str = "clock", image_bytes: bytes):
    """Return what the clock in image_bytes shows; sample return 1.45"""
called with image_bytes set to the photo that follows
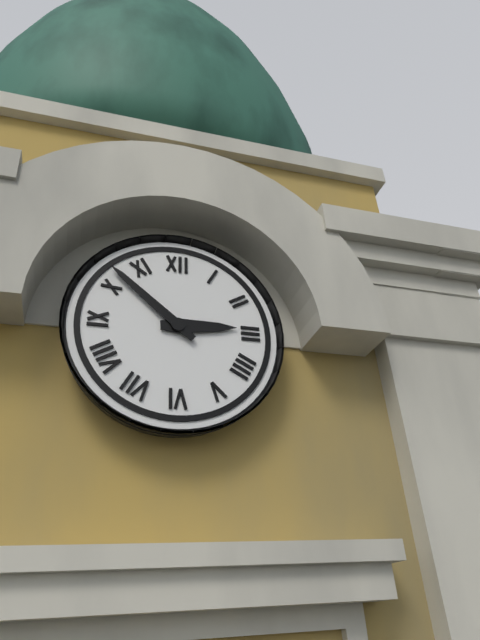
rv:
2.52
